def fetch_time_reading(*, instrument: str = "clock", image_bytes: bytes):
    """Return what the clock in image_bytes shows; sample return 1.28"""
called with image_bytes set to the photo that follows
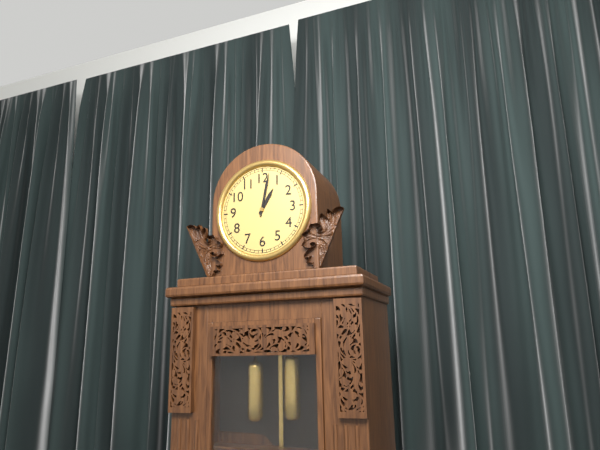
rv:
1.02
